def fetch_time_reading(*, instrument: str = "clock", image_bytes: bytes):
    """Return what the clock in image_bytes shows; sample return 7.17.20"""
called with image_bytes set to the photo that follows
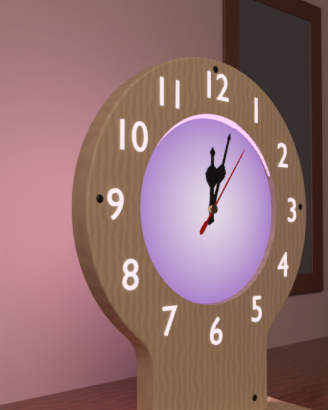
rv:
12.03.06
